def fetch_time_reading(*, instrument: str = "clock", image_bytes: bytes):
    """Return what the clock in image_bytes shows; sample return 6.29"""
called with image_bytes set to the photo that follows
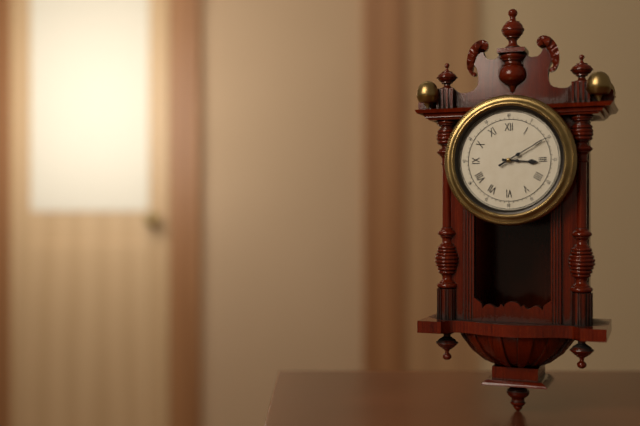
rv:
3.10
